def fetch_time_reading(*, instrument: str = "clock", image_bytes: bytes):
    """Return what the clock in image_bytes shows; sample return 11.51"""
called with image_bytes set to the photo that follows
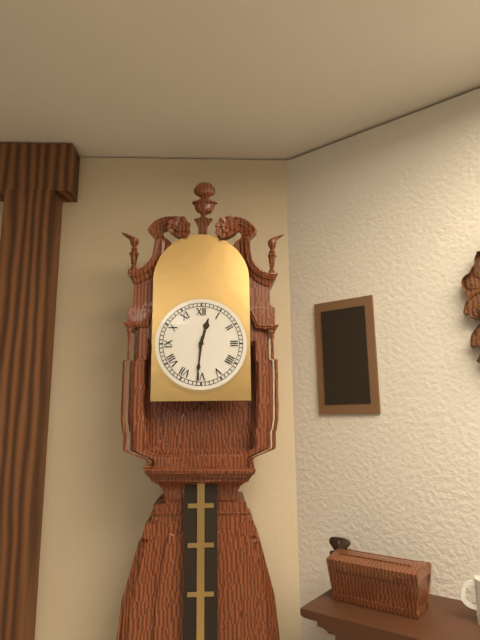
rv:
12.31
